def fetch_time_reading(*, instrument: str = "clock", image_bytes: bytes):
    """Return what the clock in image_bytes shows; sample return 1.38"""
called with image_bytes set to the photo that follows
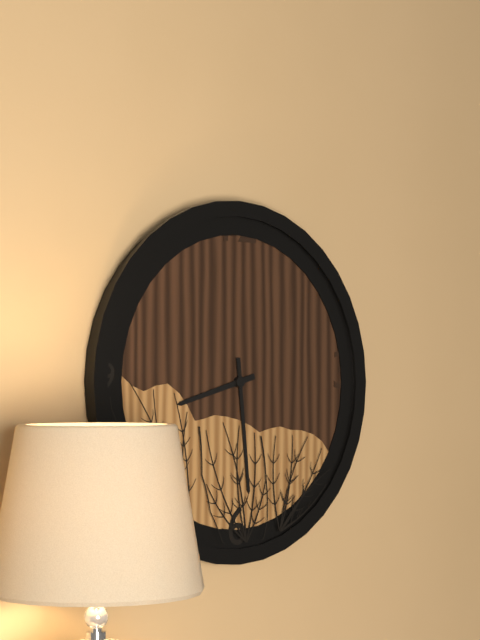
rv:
8.29
